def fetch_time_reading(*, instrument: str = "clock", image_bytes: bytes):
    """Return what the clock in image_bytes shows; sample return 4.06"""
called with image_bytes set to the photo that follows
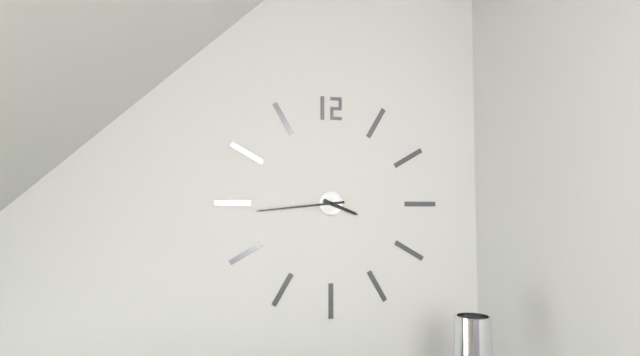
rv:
3.44
